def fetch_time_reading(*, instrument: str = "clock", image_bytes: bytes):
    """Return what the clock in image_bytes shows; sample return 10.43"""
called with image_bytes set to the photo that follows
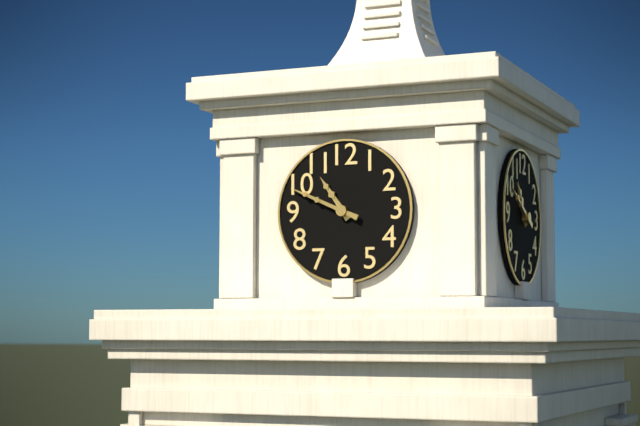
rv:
10.49
